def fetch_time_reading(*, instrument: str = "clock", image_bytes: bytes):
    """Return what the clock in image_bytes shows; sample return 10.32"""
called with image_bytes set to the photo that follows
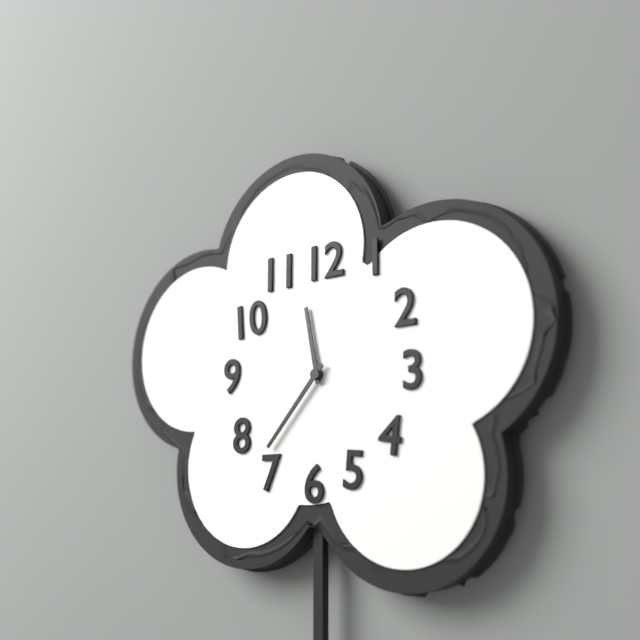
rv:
11.37
